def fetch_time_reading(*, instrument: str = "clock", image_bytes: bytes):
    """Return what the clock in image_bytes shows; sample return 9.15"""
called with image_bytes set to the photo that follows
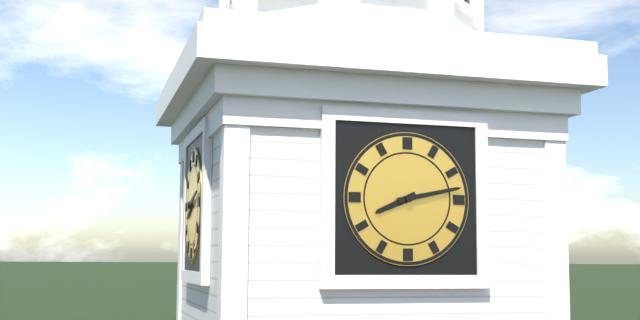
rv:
8.13
